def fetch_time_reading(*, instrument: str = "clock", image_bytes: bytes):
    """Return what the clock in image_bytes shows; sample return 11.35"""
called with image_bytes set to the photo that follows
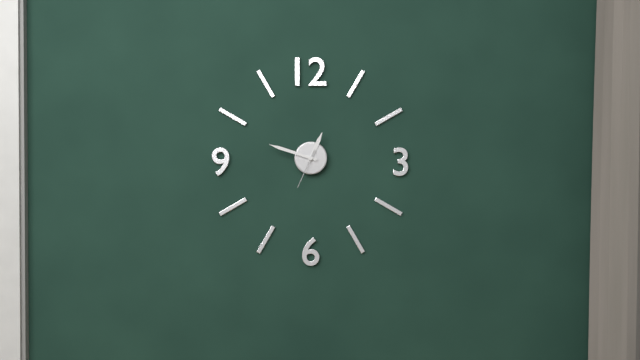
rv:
12.48
